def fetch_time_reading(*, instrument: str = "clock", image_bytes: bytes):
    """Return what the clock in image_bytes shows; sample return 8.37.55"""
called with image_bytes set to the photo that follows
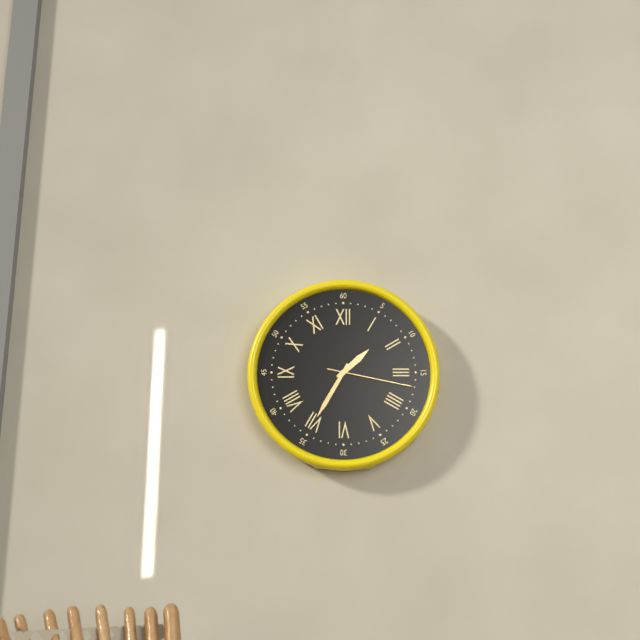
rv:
1.35.17
